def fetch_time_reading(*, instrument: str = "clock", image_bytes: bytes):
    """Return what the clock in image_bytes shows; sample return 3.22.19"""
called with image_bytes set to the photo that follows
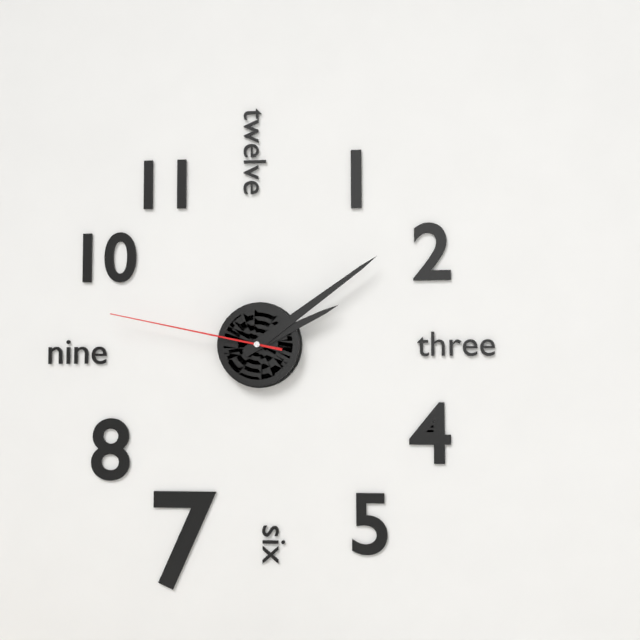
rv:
2.09.47
